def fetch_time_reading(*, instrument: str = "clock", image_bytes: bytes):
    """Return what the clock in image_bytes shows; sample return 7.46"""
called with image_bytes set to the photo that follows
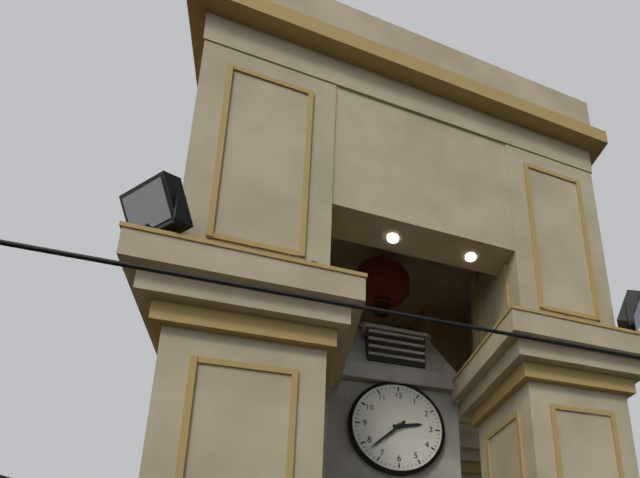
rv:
2.38
